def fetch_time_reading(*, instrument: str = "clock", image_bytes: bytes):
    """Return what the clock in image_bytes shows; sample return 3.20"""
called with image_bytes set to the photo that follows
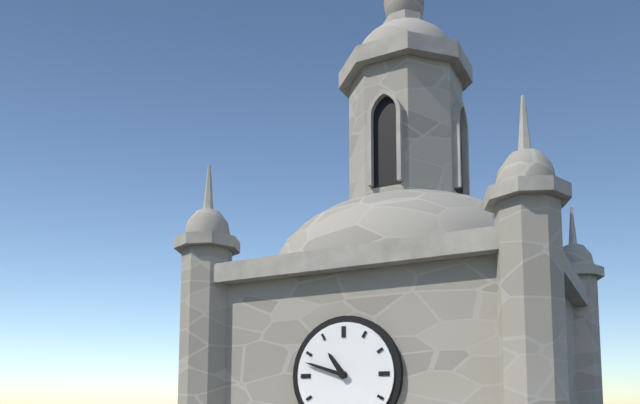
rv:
10.48
